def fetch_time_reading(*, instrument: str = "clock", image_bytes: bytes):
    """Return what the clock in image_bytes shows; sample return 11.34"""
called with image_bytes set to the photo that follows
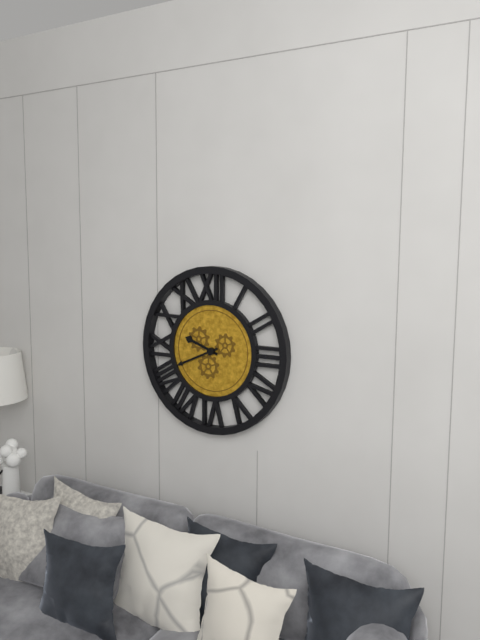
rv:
9.41
